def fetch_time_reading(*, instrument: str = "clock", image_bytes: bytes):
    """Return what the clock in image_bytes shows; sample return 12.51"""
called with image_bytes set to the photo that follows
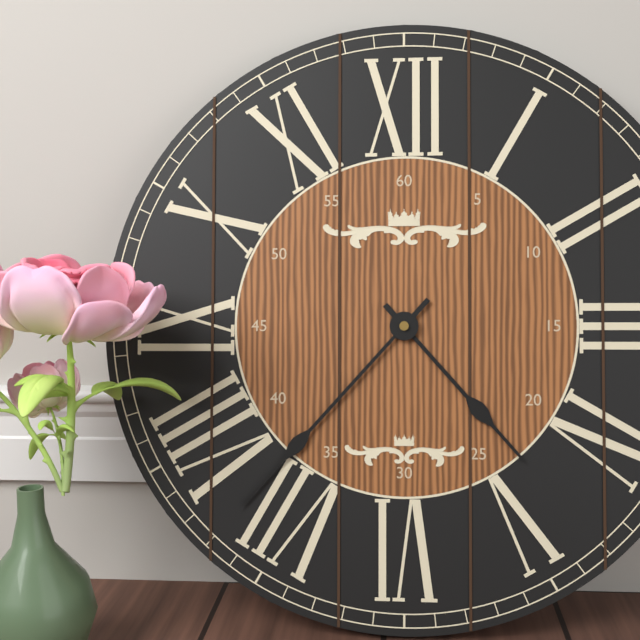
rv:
4.37
